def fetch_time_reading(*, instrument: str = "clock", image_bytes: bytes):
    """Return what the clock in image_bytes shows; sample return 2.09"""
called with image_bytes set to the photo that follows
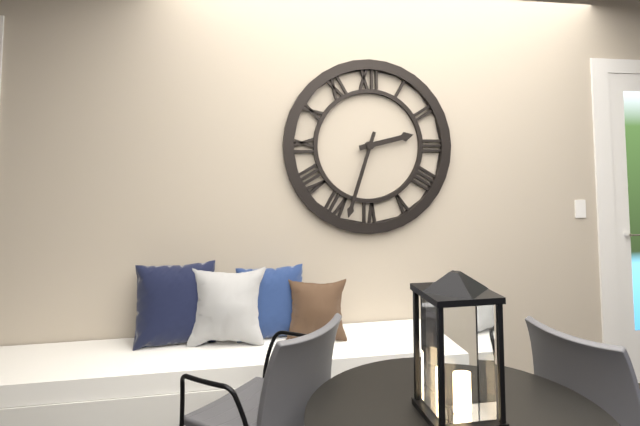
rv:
2.33
